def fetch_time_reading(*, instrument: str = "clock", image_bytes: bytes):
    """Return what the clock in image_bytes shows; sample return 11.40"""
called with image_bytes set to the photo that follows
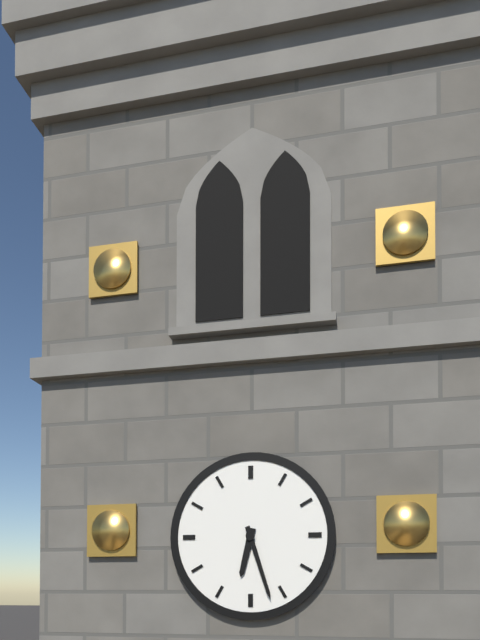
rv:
6.27
